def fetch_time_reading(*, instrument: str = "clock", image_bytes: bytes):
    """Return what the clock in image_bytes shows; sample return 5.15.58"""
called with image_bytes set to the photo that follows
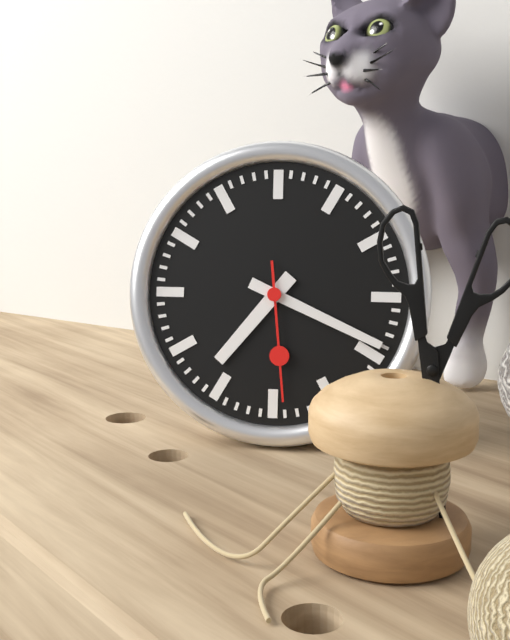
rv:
7.19.29
